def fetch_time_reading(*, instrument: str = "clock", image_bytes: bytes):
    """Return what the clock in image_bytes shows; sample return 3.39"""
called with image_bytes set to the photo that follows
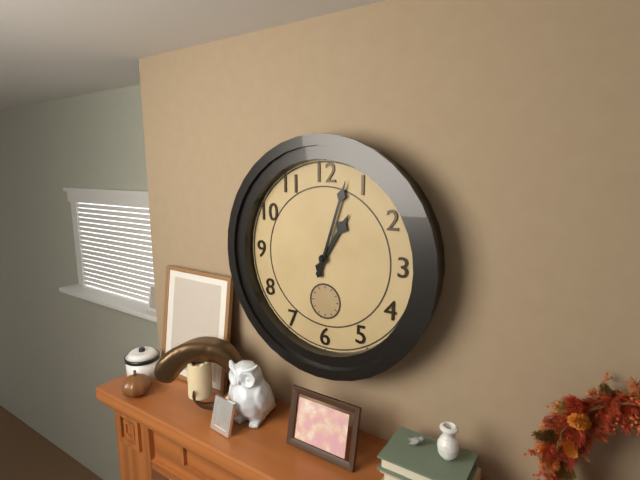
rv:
1.03
